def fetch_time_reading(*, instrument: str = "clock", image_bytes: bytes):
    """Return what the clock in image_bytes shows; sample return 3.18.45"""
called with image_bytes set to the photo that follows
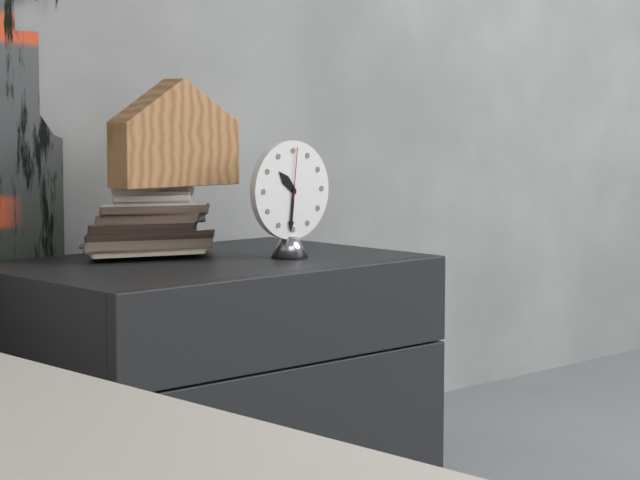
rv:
10.31.01
